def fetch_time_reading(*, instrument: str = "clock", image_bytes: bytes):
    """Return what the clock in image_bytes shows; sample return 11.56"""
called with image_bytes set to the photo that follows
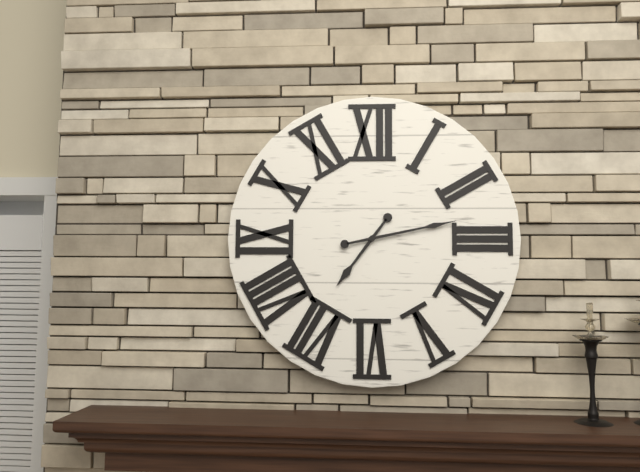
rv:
7.13
